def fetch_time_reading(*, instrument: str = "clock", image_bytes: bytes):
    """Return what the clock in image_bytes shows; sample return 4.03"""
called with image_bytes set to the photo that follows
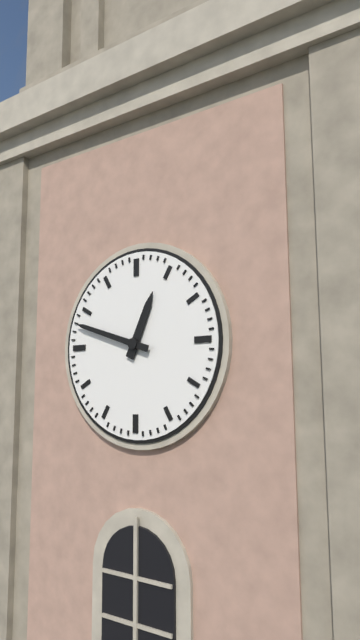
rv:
12.48
